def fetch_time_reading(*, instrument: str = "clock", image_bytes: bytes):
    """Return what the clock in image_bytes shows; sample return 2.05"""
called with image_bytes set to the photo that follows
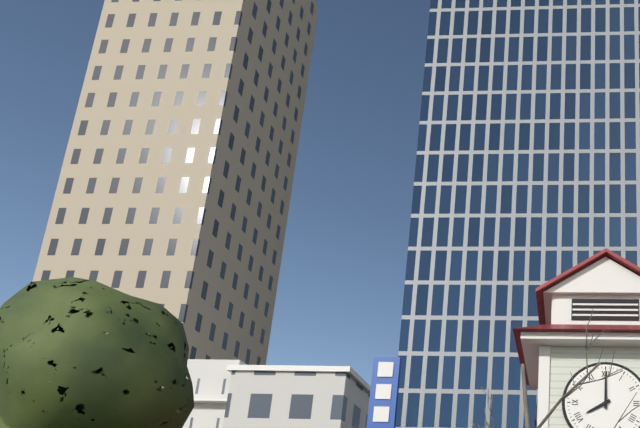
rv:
8.00
